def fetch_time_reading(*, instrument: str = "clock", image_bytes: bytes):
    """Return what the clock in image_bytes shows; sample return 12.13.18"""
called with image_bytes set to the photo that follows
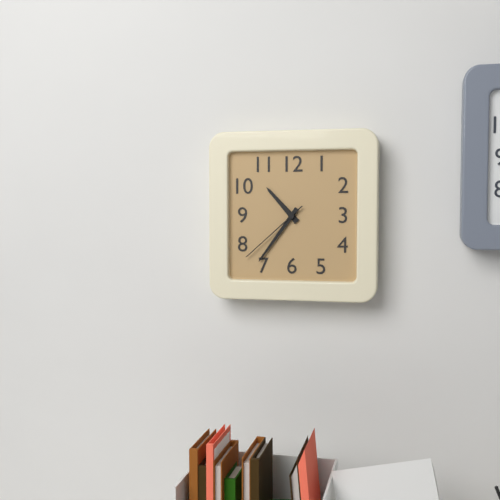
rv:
10.36.38
